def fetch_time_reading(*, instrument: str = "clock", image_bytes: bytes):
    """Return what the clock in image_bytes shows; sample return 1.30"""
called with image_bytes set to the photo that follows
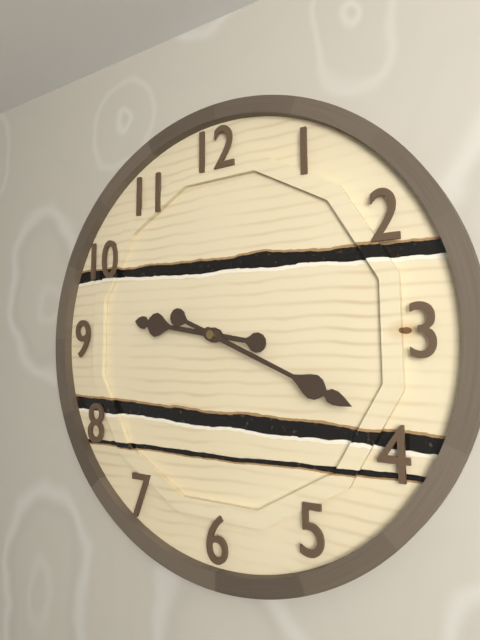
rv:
9.19
